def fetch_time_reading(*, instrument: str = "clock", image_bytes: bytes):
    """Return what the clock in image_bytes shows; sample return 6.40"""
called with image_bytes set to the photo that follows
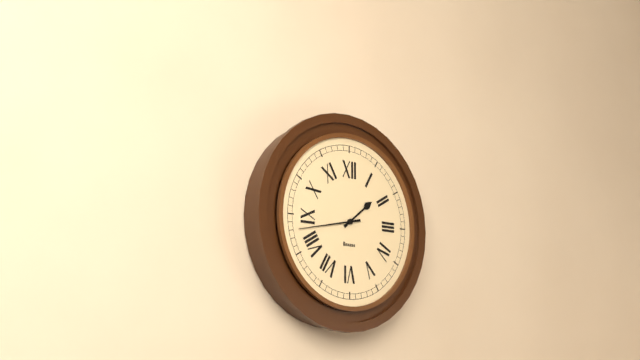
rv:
1.43
